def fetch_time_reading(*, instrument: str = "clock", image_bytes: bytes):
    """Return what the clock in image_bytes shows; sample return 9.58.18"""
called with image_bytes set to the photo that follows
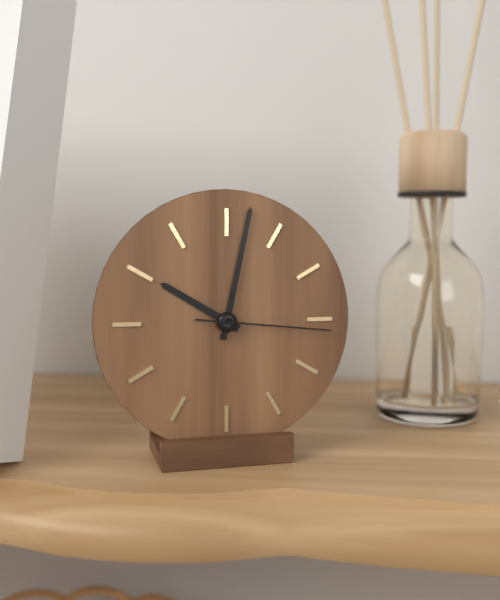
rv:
10.02.16
